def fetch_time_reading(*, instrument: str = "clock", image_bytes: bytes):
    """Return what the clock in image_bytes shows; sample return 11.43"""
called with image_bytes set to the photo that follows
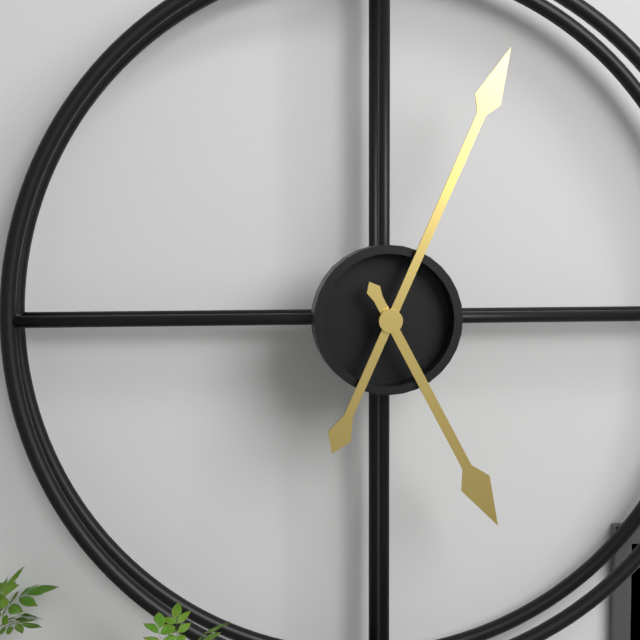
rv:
5.04
